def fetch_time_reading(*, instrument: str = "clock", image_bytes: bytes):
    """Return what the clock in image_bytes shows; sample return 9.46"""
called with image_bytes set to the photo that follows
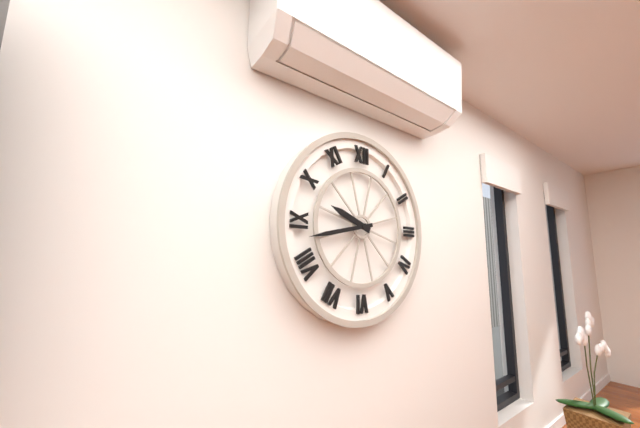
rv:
9.43
